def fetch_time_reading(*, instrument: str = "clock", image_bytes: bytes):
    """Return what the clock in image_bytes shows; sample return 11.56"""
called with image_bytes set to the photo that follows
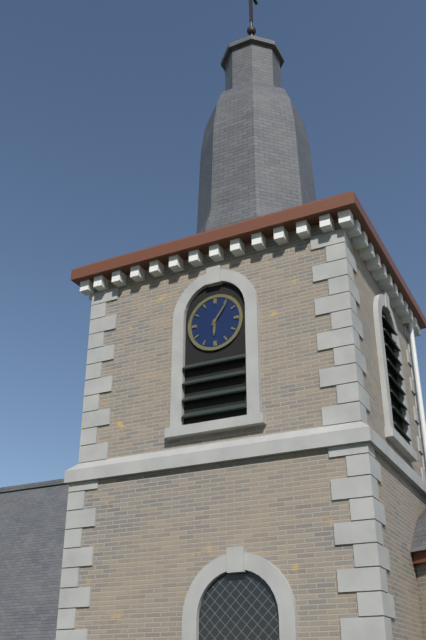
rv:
6.06
